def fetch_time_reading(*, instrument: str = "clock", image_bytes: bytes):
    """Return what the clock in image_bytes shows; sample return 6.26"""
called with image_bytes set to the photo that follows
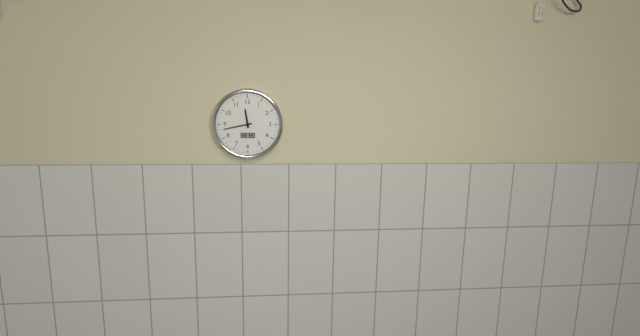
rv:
11.43
